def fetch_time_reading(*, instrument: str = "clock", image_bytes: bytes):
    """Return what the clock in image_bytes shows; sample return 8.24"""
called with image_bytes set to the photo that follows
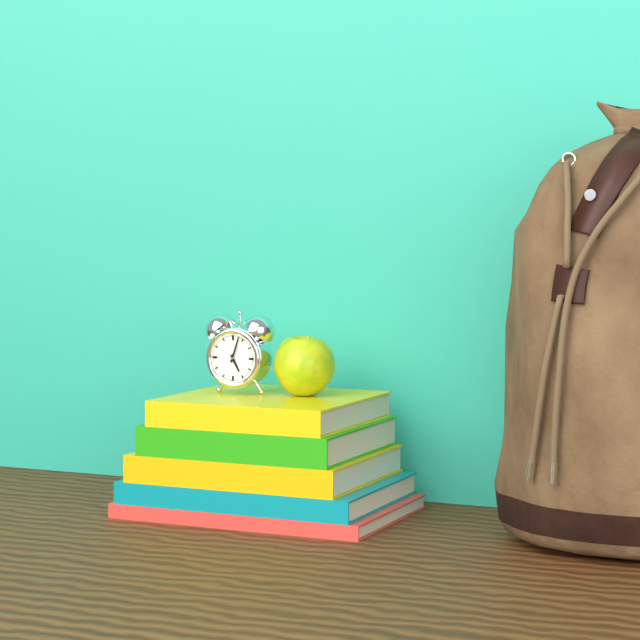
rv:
5.03
